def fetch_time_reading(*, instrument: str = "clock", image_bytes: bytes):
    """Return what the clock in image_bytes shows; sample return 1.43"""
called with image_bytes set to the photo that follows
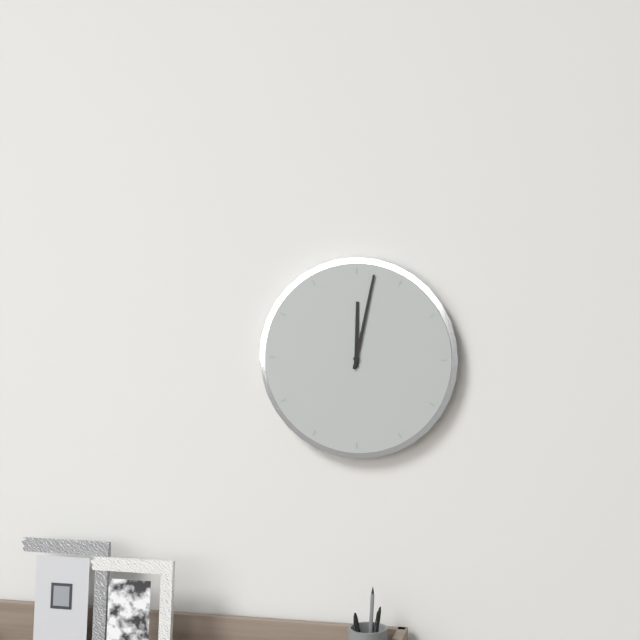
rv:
12.02
